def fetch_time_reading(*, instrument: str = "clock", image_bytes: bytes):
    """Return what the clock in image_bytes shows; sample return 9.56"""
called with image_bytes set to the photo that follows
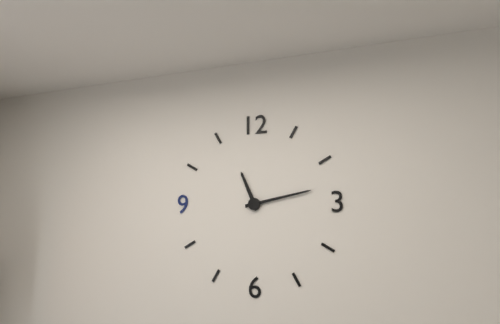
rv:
11.13
